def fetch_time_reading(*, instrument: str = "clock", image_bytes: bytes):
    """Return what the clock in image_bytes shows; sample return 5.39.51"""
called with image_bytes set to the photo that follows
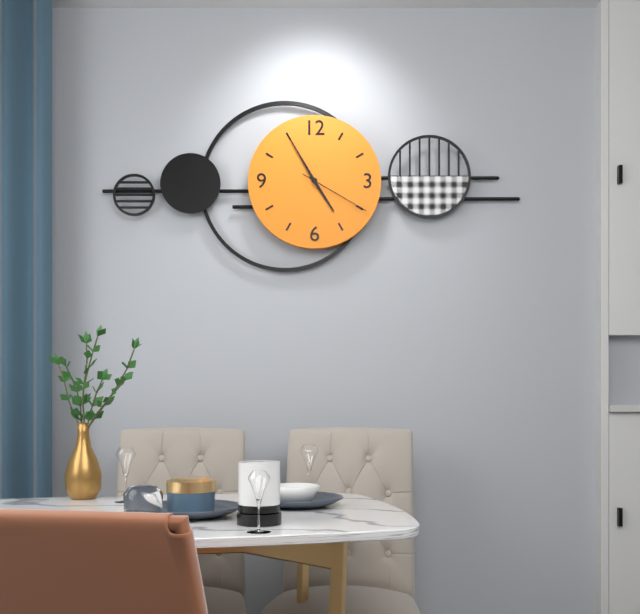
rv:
4.55.20
